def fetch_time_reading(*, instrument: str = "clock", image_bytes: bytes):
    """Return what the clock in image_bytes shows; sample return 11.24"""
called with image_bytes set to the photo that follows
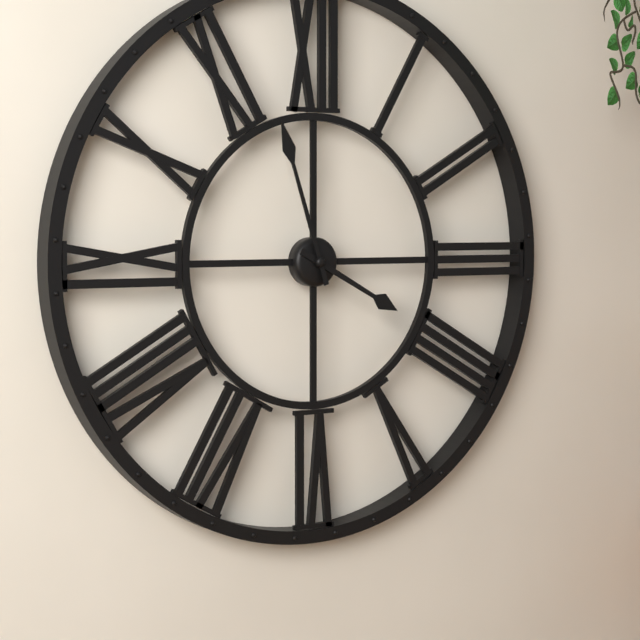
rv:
3.57
